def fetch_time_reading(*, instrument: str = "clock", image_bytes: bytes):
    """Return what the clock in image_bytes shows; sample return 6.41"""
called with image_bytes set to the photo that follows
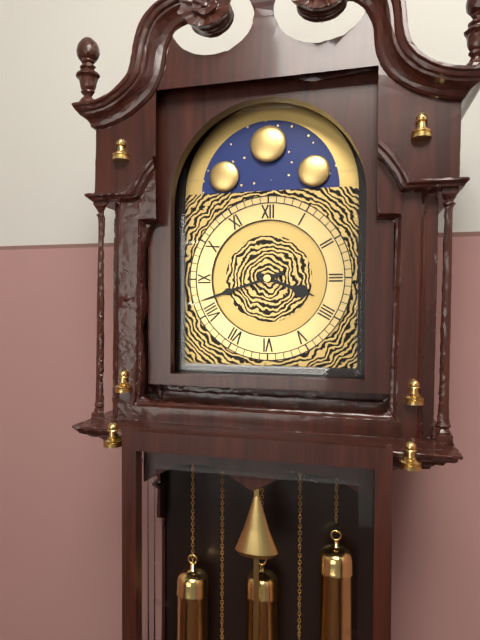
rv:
3.42
